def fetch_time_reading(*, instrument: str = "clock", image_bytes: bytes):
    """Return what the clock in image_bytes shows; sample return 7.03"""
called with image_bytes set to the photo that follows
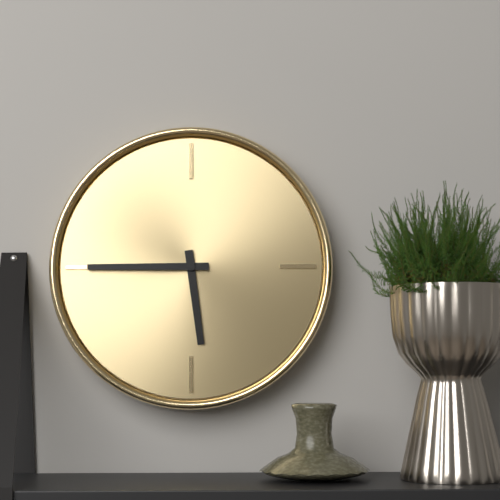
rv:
5.45
